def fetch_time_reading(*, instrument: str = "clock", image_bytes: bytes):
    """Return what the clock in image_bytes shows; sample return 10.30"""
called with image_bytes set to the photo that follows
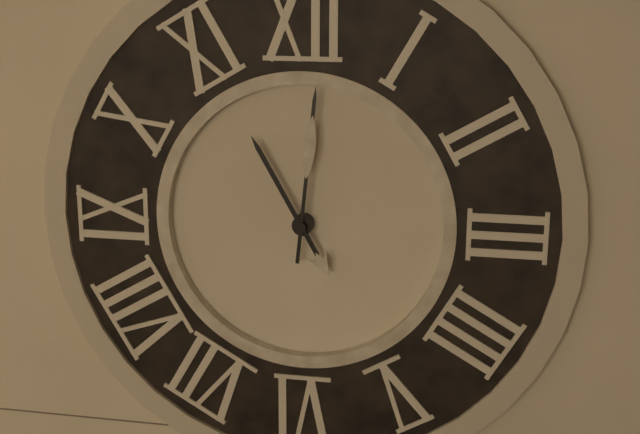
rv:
11.01
